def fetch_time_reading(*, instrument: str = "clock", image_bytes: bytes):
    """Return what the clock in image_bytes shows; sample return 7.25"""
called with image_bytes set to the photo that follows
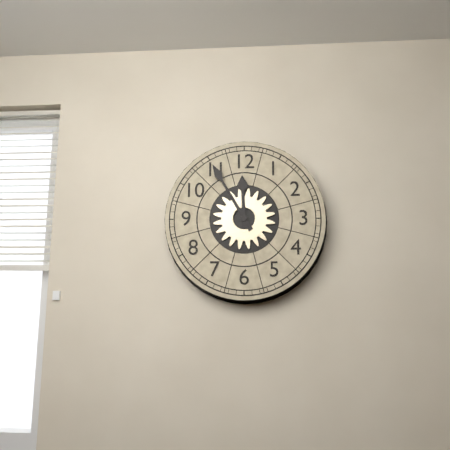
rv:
11.55
